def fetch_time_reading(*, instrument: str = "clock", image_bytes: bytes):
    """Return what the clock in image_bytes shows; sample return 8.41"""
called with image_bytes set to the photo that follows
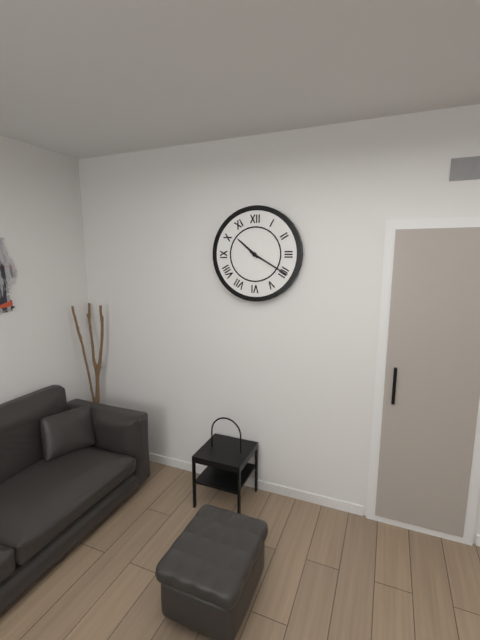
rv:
10.20
